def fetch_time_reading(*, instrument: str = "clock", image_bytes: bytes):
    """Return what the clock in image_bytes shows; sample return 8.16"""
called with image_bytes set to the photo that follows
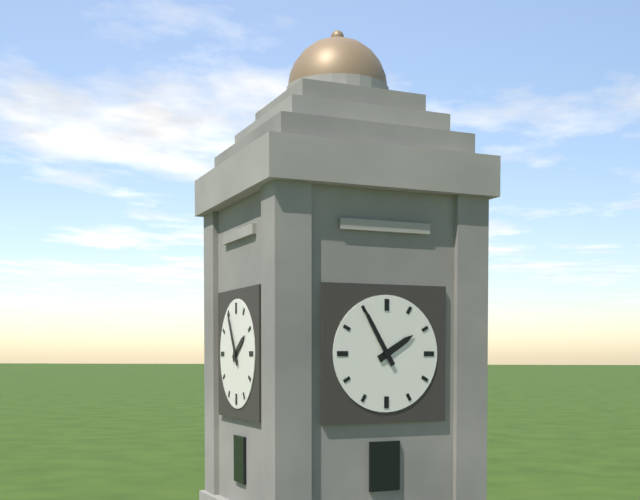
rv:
1.55
